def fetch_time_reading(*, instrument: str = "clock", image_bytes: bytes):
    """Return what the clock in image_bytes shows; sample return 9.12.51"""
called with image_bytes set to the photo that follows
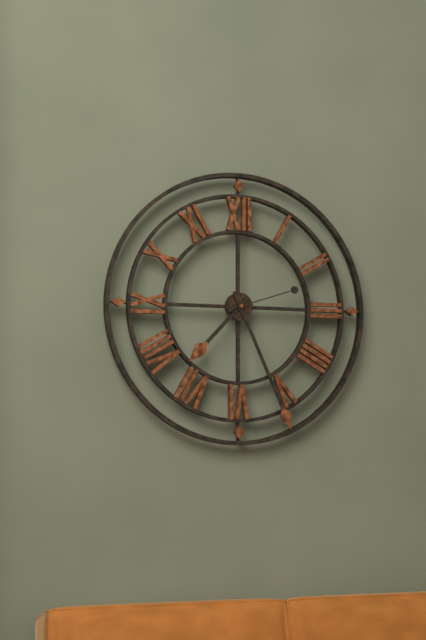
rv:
7.26.12
